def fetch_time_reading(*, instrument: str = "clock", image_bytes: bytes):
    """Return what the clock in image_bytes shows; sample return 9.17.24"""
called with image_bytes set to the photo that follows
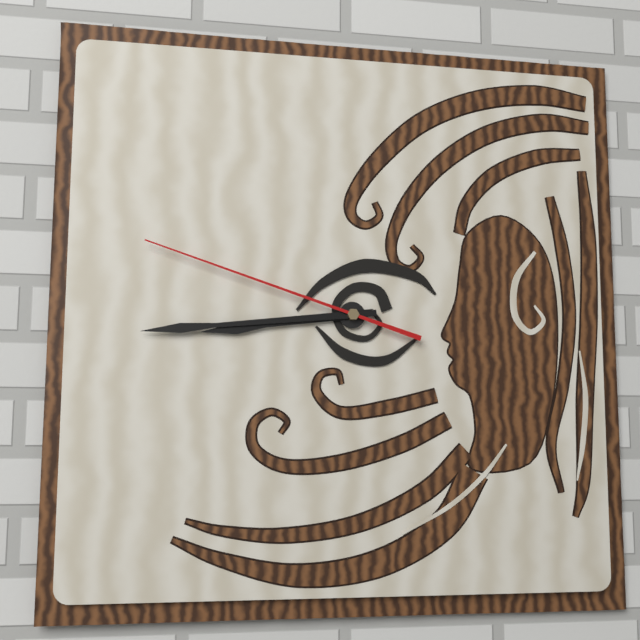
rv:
8.44.48
